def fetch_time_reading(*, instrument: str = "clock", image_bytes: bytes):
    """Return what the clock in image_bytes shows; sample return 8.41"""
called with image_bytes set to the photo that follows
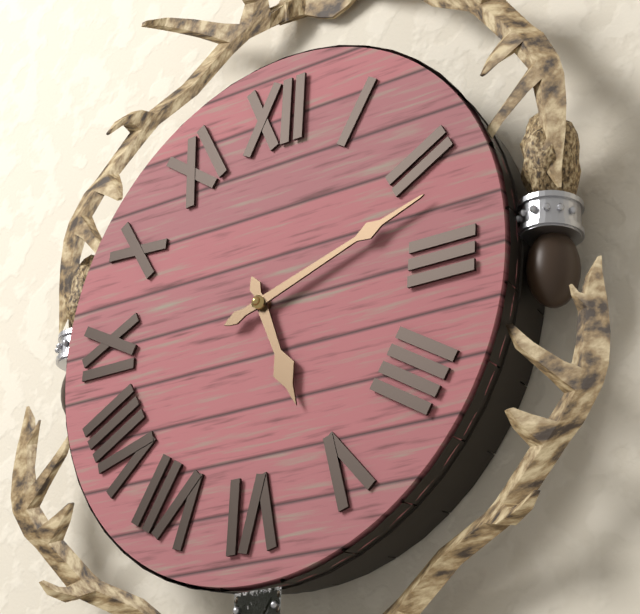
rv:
5.12
